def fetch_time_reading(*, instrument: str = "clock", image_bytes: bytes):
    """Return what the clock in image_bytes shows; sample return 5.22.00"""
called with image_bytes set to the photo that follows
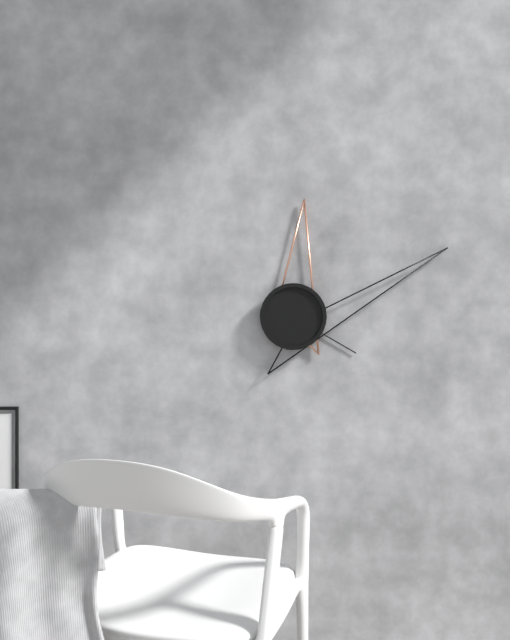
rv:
12.11.20
